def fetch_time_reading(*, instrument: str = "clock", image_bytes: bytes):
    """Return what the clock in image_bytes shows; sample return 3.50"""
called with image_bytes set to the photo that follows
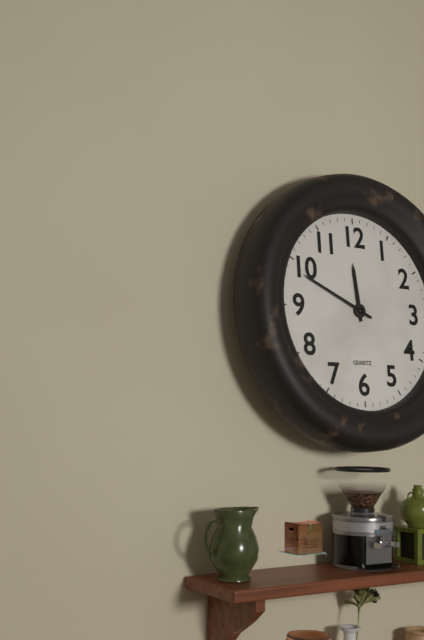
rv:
11.49
